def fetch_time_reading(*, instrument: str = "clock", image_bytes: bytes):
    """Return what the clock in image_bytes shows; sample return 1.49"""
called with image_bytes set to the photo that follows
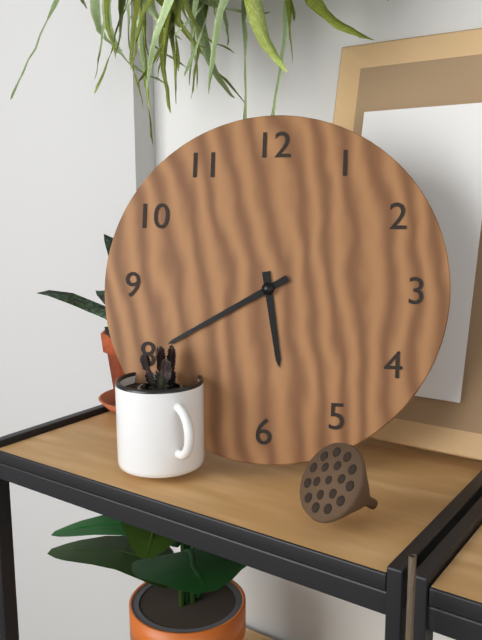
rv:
5.40
